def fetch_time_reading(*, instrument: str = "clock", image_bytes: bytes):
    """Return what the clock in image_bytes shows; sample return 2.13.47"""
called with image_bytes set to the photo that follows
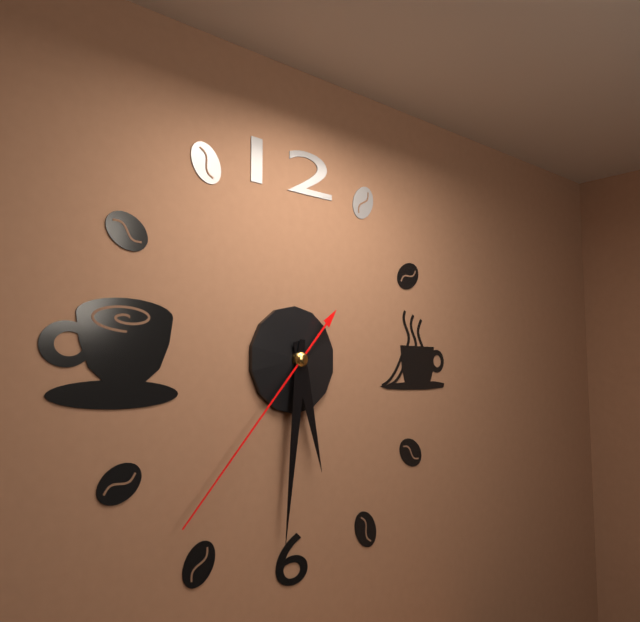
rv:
5.31.37
